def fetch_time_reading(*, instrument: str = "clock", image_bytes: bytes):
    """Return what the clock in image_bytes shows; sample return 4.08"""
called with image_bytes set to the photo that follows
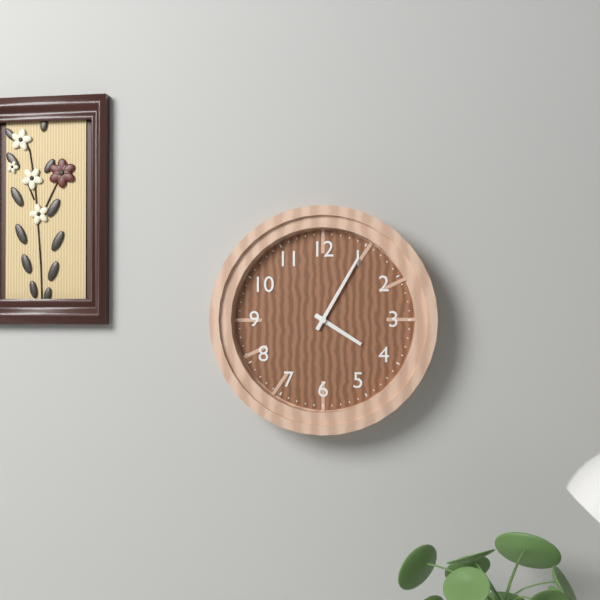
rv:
4.05
